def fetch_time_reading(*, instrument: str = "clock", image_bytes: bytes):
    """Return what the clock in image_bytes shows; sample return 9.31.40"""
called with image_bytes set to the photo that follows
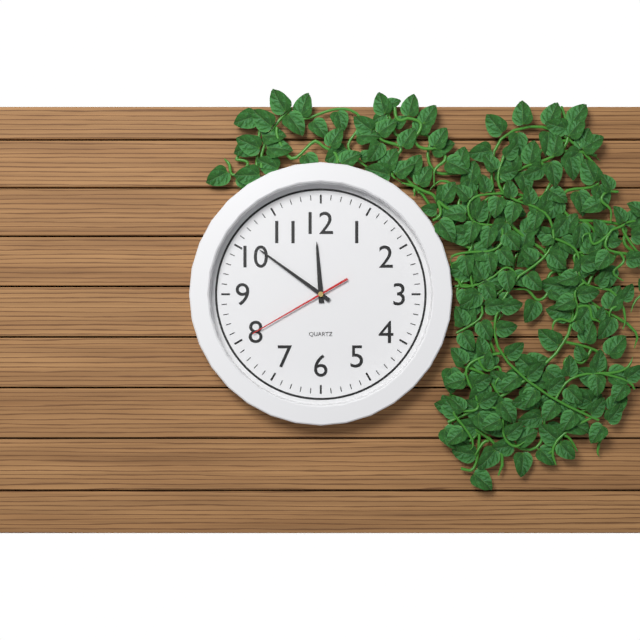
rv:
11.51.40
